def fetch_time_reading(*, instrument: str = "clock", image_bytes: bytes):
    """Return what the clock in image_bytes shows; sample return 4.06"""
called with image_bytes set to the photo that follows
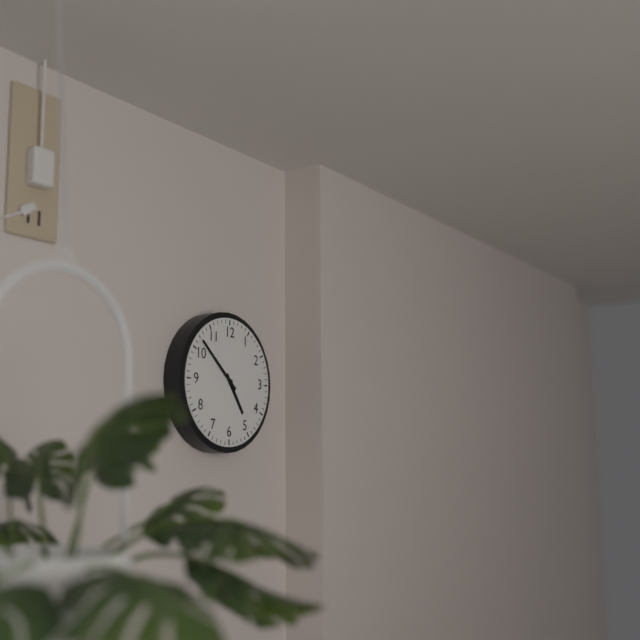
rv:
4.52
